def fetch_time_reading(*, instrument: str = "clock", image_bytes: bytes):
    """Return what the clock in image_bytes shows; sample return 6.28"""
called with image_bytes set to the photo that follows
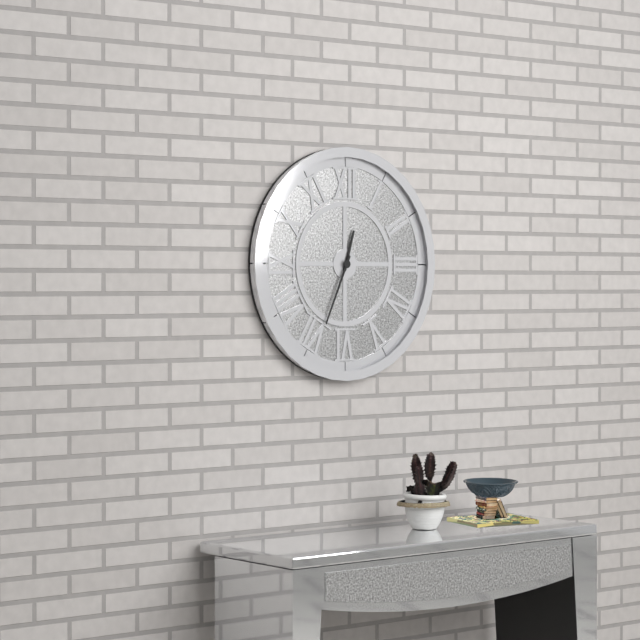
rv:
12.34
